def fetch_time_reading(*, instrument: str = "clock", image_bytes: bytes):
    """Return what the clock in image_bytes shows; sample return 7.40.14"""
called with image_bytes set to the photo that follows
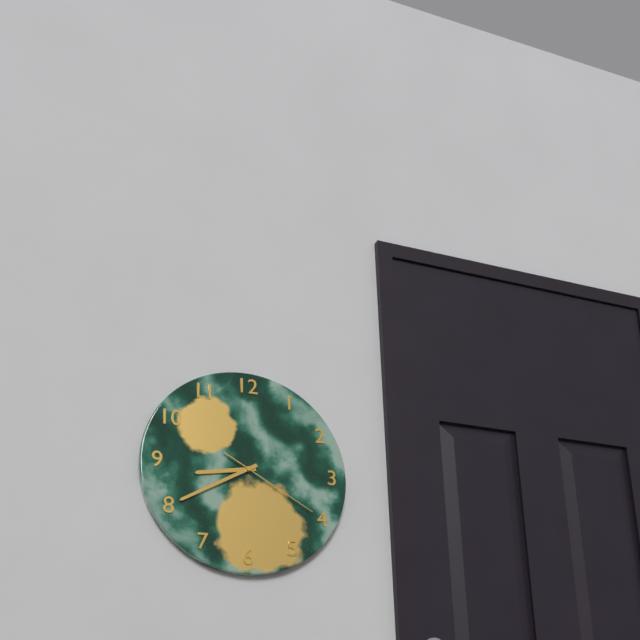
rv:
8.40.20
